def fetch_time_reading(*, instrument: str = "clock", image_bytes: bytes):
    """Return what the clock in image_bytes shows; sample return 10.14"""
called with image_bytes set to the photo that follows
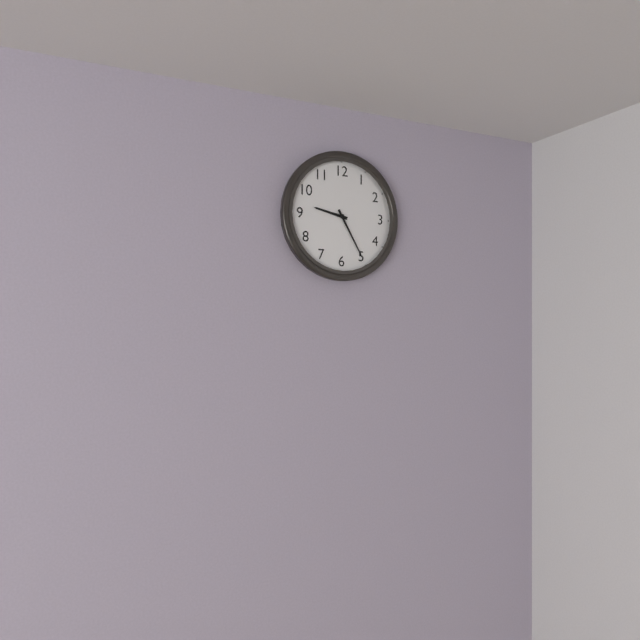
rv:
9.25
